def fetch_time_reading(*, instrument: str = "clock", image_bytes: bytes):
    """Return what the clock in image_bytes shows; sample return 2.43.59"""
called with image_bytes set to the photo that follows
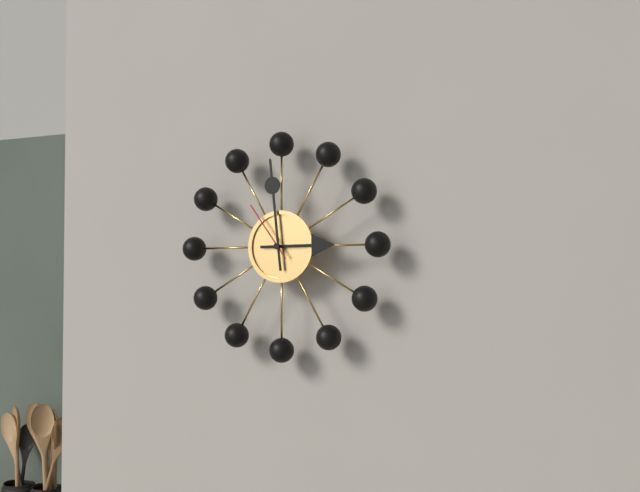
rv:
2.59.54
